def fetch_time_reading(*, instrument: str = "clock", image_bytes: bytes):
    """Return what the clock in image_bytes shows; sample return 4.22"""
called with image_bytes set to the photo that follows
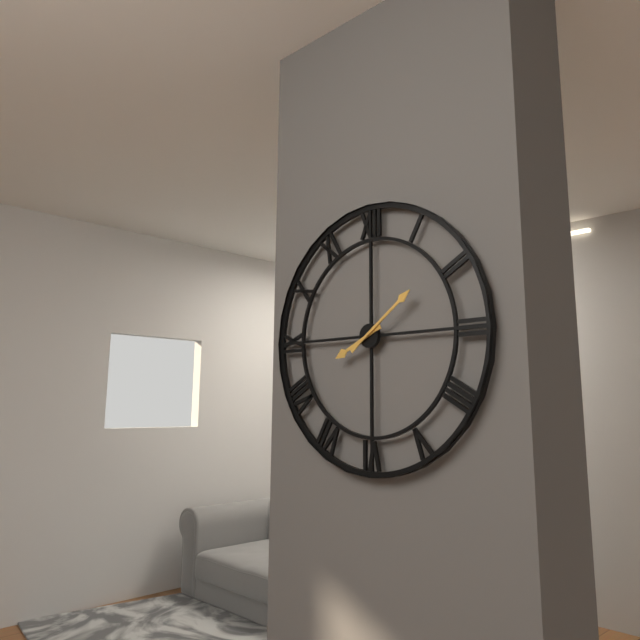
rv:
8.09
